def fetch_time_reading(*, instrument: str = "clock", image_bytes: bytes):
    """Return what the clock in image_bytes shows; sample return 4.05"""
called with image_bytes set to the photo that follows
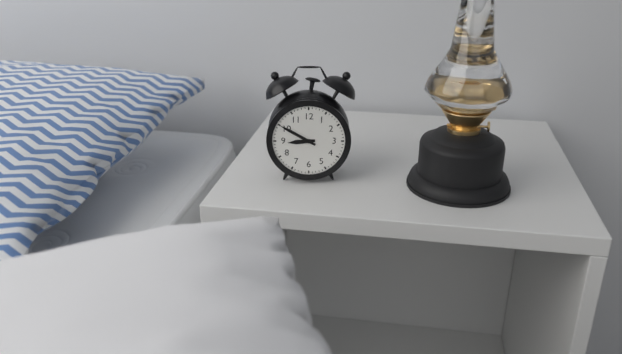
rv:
8.50
